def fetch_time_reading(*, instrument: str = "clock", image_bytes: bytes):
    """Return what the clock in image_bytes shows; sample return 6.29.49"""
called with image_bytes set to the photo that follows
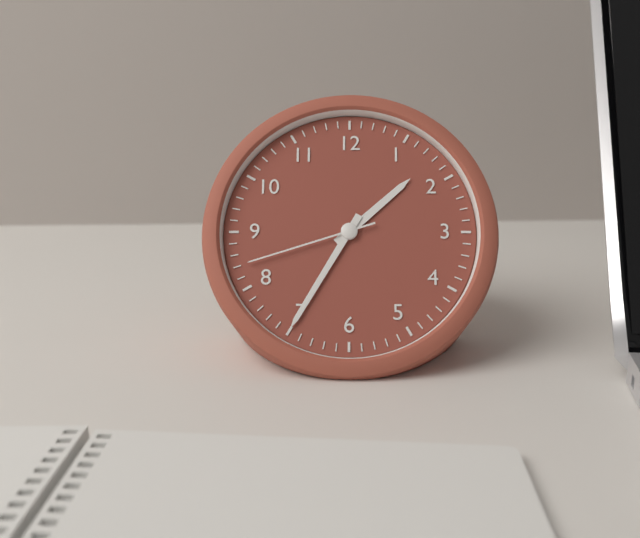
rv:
1.35.42
